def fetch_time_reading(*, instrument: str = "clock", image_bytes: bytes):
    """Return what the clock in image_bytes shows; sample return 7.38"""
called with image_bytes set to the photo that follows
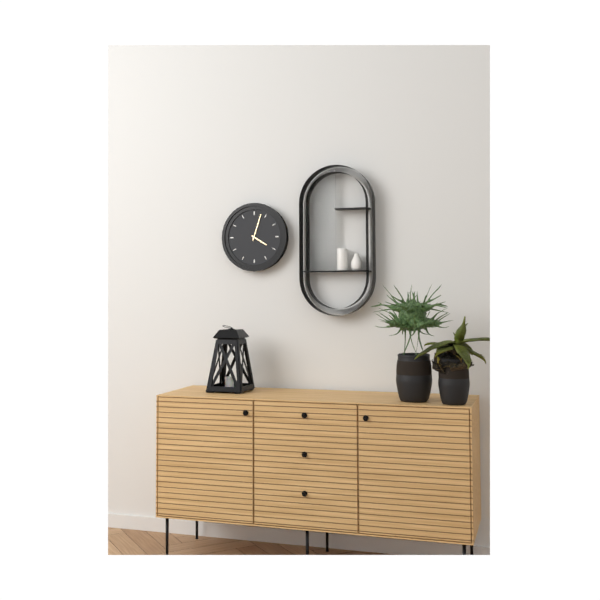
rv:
4.03
